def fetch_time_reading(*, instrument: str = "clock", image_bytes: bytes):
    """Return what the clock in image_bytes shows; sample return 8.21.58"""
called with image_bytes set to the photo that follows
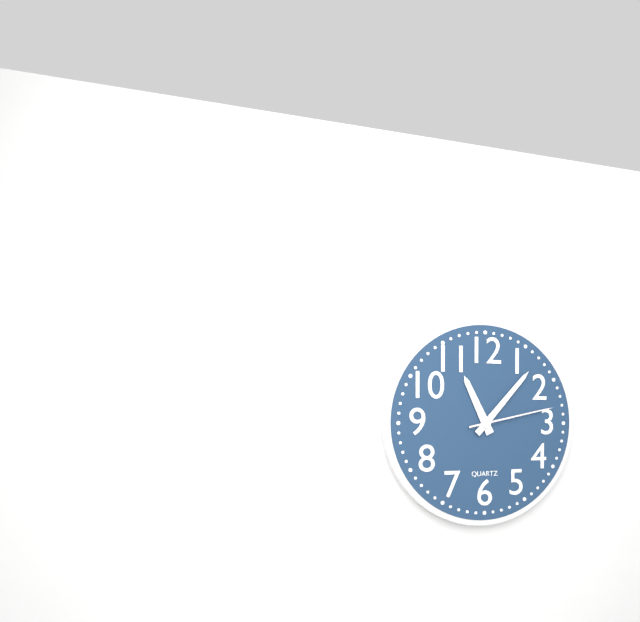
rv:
11.07.13
